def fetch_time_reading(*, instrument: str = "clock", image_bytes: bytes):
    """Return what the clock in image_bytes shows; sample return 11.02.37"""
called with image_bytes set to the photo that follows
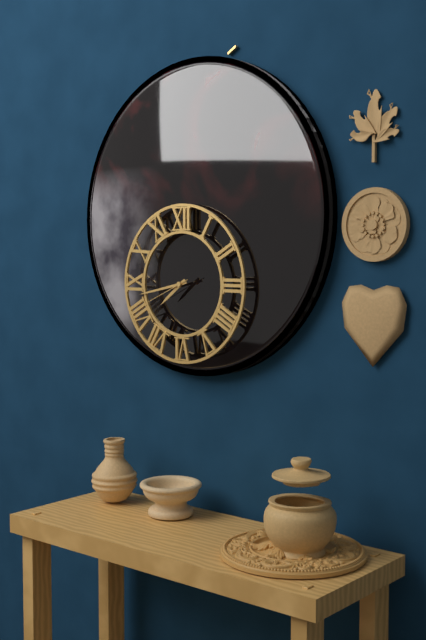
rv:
7.43.41
